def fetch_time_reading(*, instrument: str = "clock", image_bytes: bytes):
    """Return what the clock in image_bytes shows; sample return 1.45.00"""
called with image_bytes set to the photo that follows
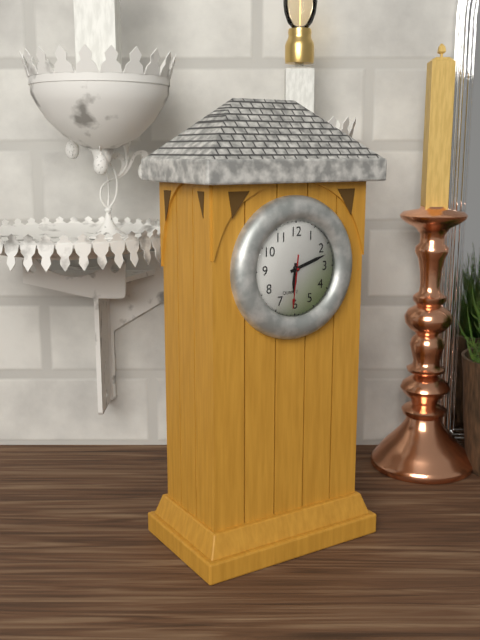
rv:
6.12.31
